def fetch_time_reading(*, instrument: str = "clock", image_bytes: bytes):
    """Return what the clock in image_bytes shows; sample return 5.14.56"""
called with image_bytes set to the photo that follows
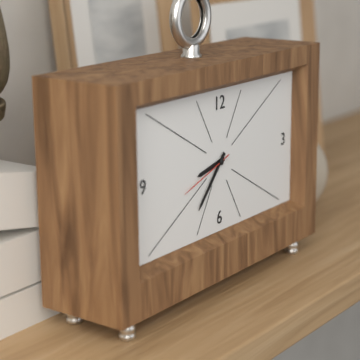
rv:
8.37.42
